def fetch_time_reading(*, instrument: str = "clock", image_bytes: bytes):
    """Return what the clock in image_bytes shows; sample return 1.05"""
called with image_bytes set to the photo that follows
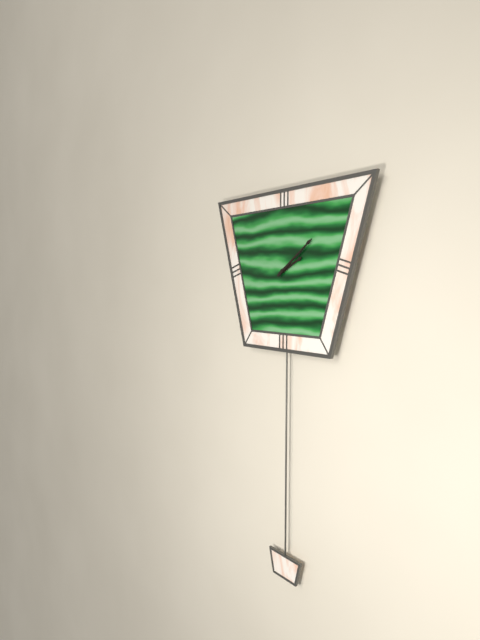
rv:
2.09
